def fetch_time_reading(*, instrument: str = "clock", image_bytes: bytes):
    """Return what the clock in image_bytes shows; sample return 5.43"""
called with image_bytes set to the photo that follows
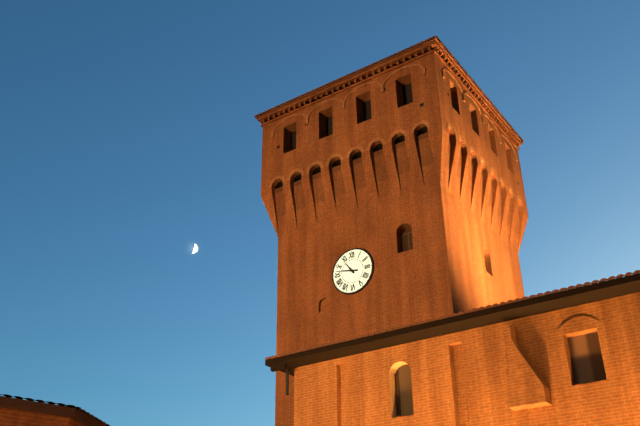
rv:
10.47
